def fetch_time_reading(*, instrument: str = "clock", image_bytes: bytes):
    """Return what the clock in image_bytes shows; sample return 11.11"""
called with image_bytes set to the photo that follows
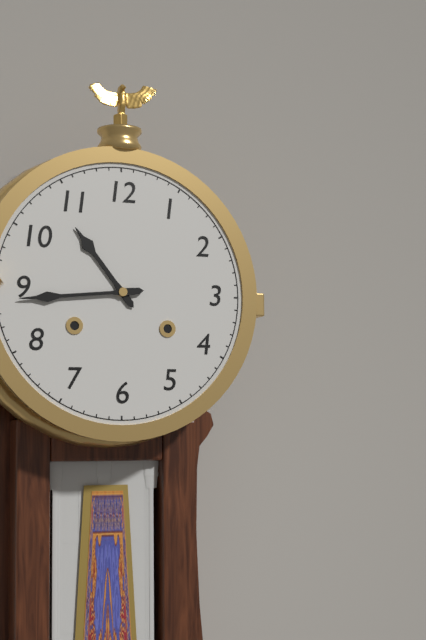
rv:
10.44
